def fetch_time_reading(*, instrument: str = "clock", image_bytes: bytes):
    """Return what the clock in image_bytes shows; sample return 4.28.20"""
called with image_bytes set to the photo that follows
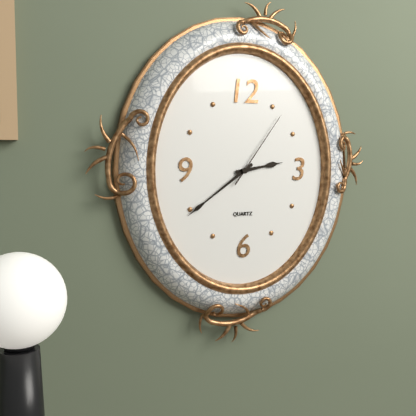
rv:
2.39.06
